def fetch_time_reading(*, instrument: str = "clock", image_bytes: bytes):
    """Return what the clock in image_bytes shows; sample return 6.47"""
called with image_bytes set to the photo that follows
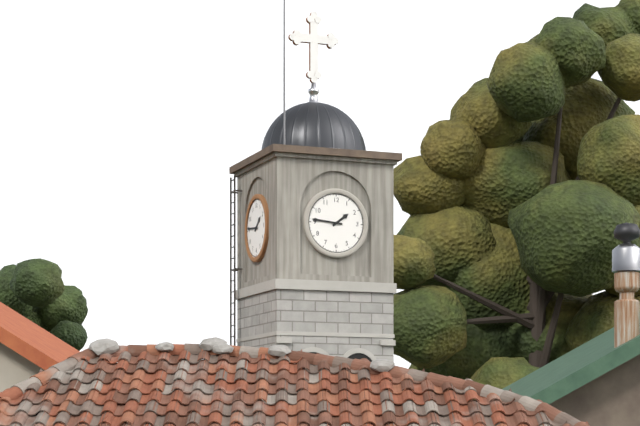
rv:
1.46
